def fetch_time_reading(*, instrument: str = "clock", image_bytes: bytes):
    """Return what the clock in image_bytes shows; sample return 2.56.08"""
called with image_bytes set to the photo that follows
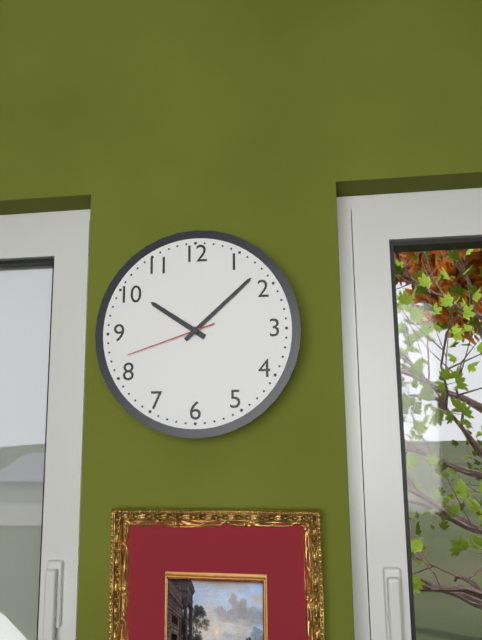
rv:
10.08.42
